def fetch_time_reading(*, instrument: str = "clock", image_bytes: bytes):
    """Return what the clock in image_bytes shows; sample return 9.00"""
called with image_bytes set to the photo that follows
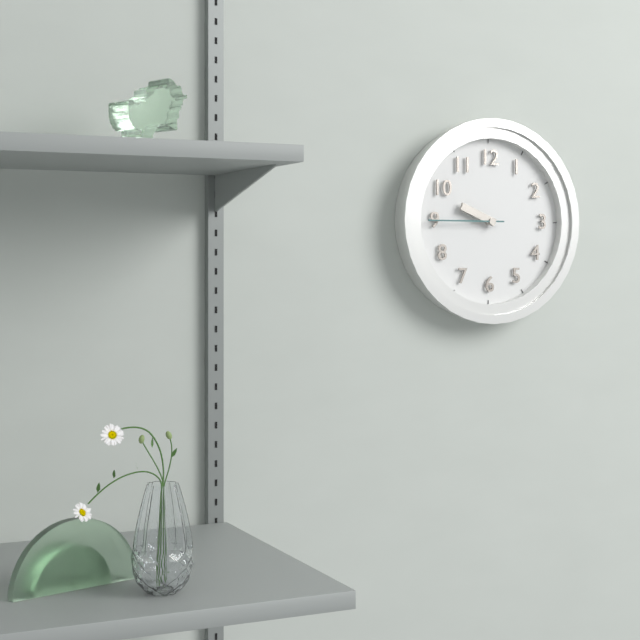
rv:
9.45
